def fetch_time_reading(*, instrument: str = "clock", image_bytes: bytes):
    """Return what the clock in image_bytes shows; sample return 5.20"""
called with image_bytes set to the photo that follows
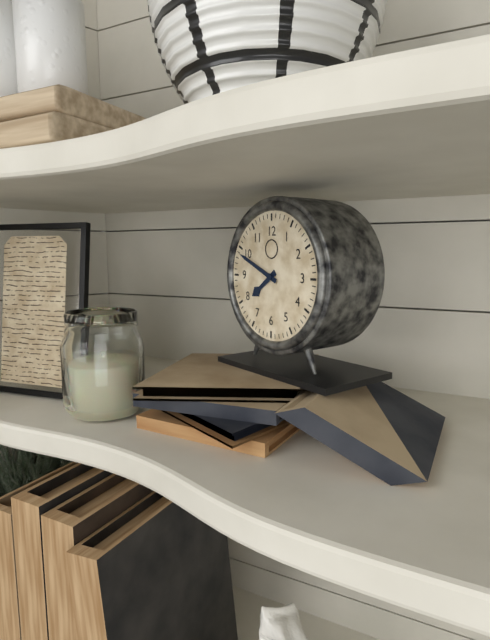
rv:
7.49
